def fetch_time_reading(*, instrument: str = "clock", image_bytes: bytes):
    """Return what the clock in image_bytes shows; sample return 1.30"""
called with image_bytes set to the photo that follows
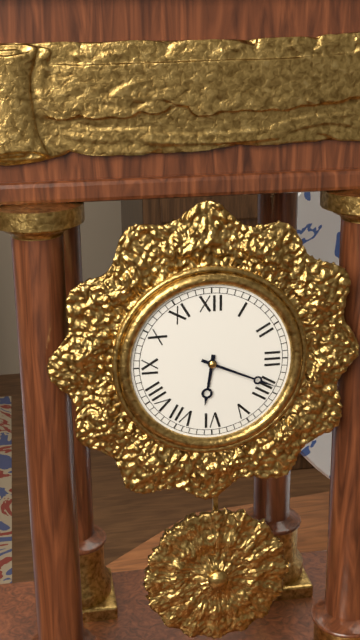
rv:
6.19
